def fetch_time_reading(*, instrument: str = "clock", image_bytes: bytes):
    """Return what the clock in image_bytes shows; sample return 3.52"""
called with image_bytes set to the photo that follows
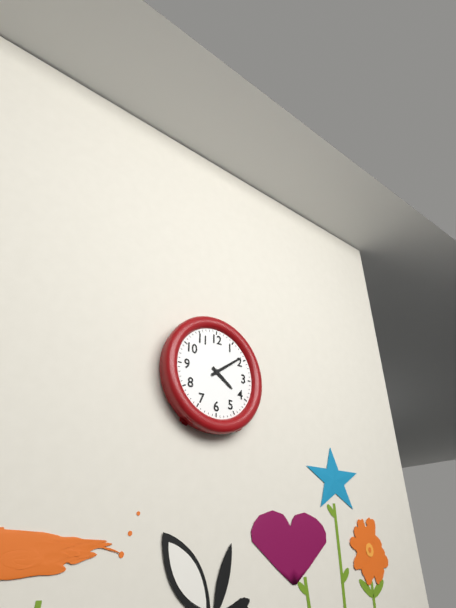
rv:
4.09
